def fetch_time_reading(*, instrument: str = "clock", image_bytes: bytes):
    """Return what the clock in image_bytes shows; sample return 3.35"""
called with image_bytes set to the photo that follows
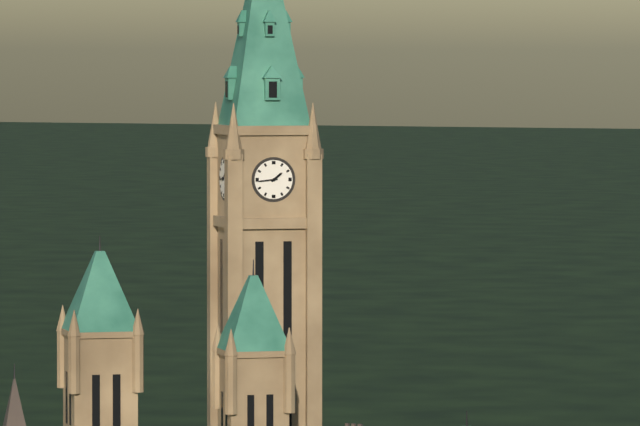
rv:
1.44
